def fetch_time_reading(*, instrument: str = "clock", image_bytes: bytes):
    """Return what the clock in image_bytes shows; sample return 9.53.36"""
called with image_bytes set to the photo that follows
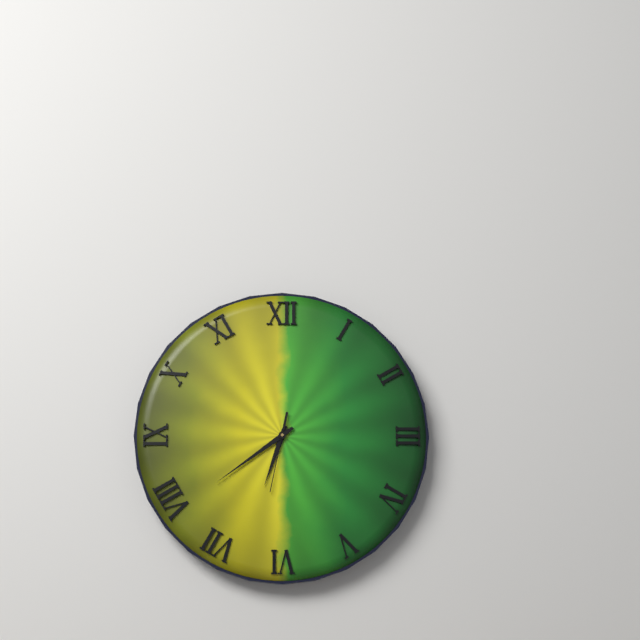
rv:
6.39.32
